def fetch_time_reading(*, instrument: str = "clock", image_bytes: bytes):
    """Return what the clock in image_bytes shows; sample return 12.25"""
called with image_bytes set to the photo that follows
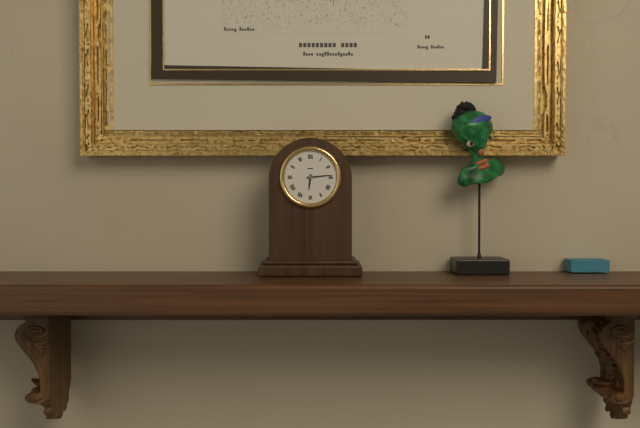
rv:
6.14
